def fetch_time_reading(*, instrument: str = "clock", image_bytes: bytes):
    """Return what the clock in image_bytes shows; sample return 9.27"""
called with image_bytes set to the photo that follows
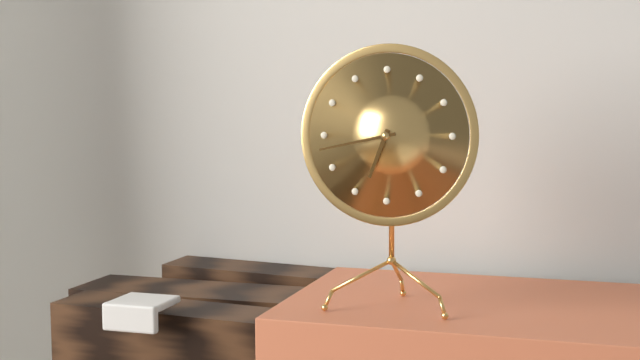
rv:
6.43
